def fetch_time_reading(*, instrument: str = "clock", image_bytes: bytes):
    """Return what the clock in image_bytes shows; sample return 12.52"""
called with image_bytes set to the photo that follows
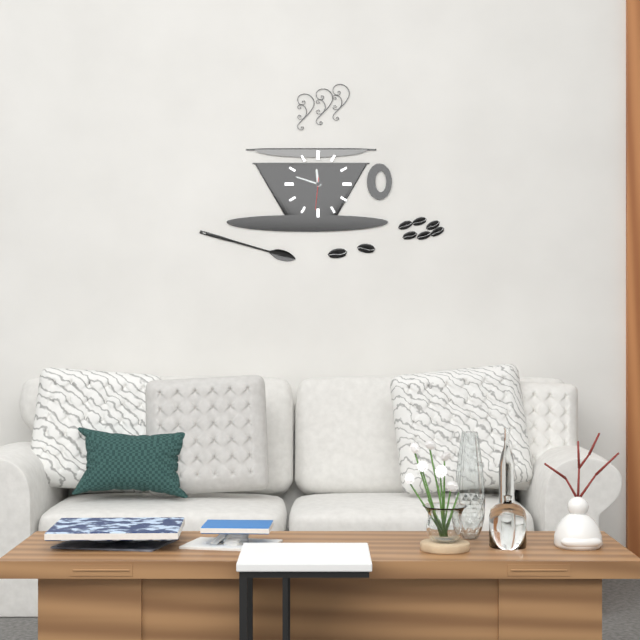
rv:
11.48
